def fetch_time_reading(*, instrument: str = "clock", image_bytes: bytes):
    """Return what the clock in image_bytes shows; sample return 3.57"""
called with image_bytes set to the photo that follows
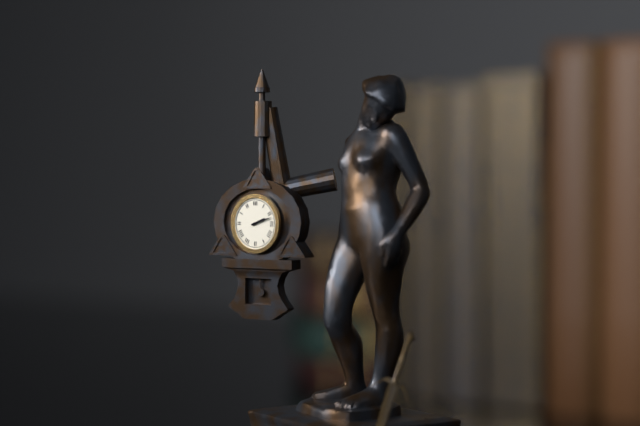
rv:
2.12
